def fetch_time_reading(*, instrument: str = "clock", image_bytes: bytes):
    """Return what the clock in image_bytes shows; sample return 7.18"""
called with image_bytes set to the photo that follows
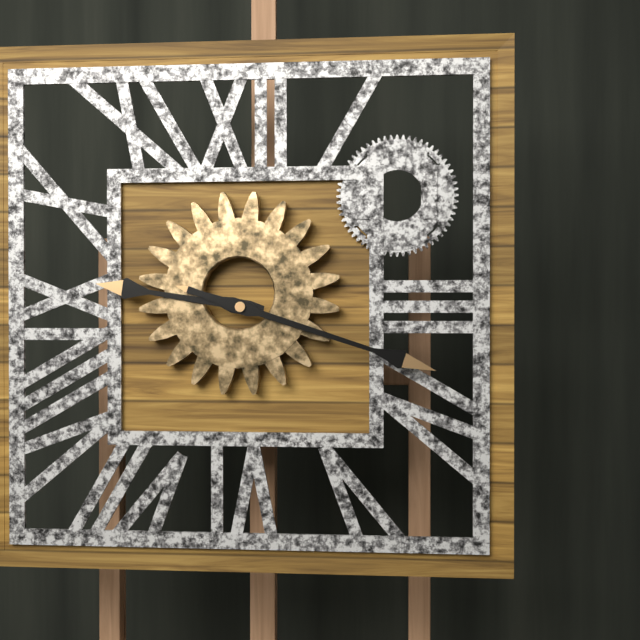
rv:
9.18
